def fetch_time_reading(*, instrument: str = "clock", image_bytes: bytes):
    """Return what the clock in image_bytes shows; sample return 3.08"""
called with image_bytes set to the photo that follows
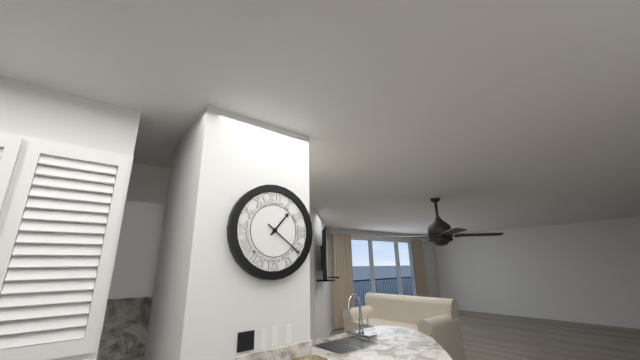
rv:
1.21
